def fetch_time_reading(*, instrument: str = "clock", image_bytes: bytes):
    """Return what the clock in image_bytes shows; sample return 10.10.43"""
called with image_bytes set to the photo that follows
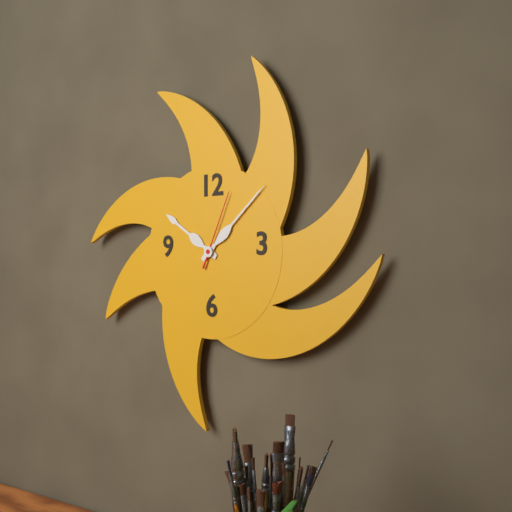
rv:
10.08.04
